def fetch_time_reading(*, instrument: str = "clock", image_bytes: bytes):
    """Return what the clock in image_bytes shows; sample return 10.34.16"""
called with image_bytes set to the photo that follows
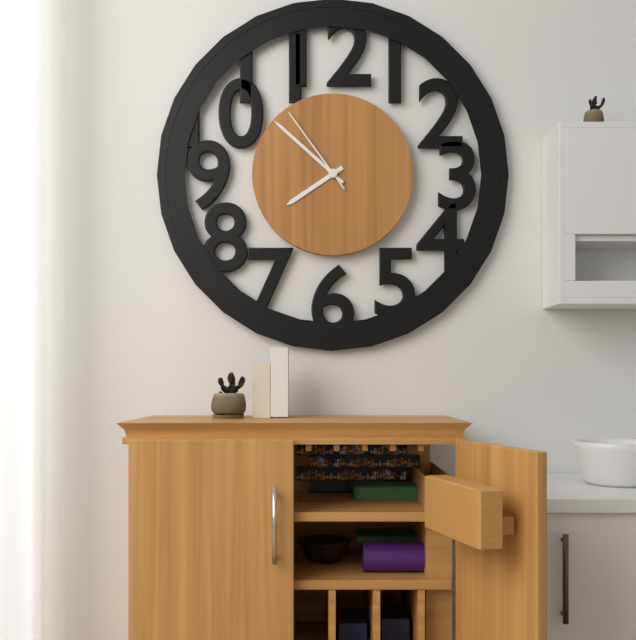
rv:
7.52.54
